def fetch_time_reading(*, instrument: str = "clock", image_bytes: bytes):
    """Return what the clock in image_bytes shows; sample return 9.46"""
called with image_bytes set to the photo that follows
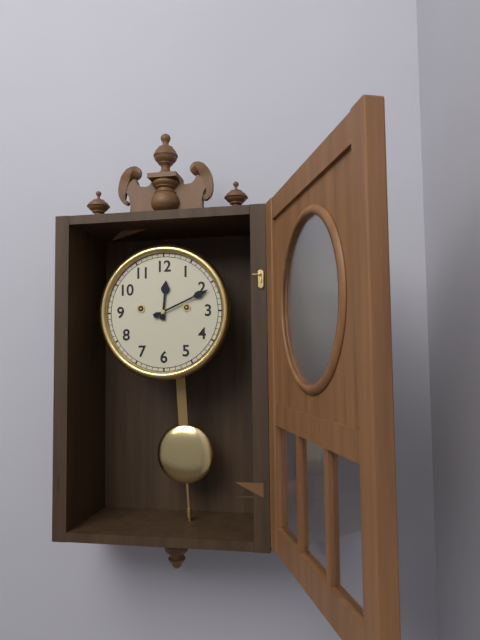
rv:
12.11
